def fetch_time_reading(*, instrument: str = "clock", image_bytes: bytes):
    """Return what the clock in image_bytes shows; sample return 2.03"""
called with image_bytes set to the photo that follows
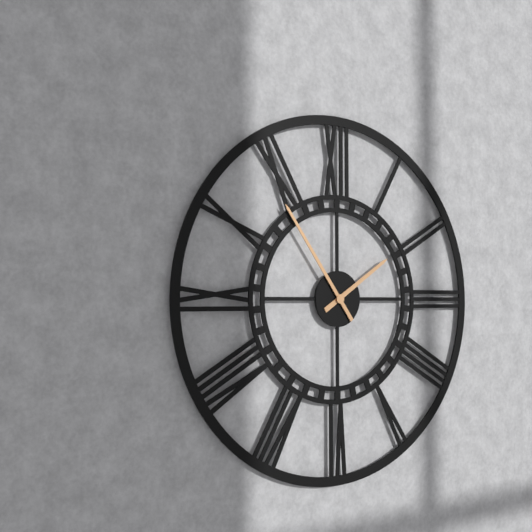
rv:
1.54
